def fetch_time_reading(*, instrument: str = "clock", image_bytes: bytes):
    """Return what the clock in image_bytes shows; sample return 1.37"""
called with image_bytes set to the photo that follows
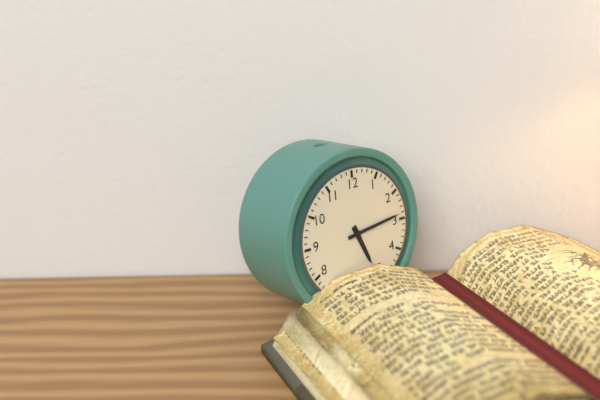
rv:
5.14
